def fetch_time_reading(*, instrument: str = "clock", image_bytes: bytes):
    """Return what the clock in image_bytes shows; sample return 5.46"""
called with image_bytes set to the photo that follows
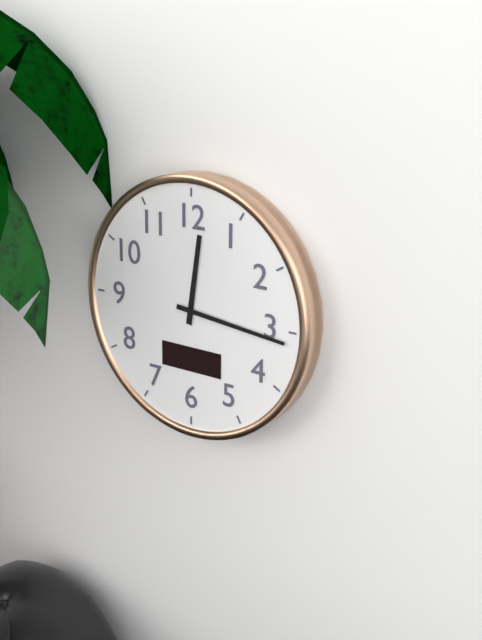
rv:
12.16
